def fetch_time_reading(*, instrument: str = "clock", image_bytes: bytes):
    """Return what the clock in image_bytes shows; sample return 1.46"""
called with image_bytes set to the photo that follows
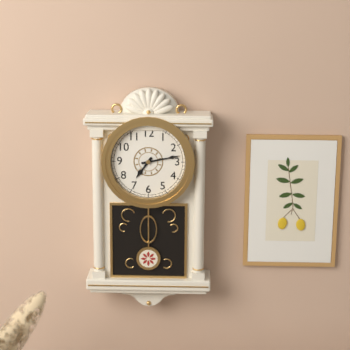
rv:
7.13
